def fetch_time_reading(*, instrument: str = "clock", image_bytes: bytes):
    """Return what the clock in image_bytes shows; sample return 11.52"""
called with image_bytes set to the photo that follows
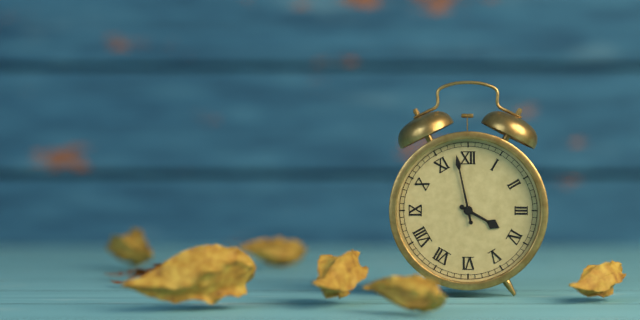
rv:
3.58
